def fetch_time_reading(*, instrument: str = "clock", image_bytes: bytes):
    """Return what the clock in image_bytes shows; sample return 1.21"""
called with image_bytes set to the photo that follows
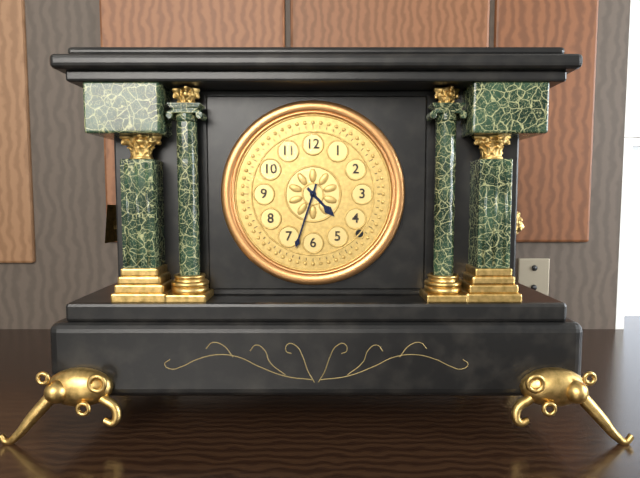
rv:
4.33
